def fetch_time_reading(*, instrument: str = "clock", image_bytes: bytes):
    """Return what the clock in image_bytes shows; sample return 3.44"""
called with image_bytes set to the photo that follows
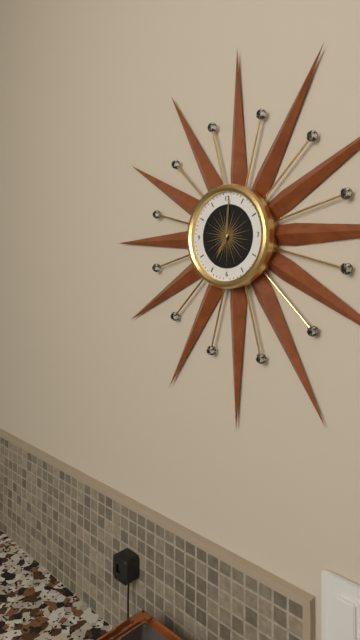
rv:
7.01
